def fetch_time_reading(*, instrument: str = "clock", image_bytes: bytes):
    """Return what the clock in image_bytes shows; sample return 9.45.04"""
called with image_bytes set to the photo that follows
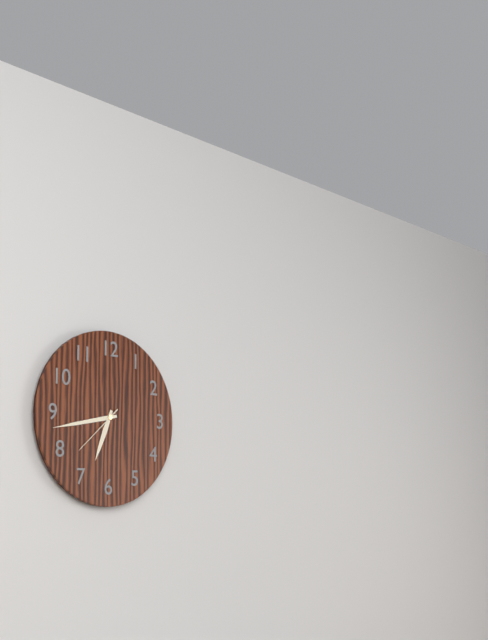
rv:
6.43.38
